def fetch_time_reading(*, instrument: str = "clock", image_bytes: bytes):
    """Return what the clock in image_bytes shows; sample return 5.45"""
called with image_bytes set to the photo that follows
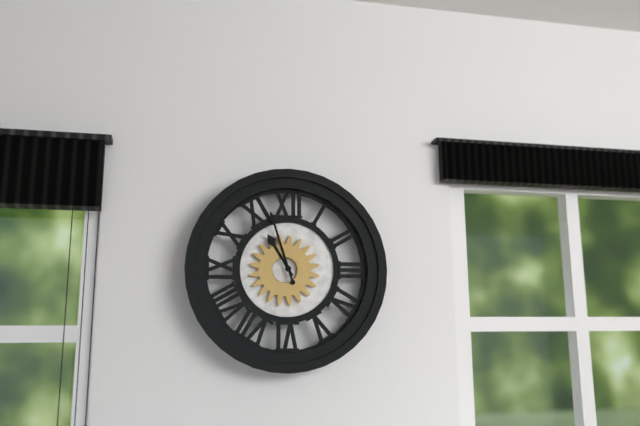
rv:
10.57
